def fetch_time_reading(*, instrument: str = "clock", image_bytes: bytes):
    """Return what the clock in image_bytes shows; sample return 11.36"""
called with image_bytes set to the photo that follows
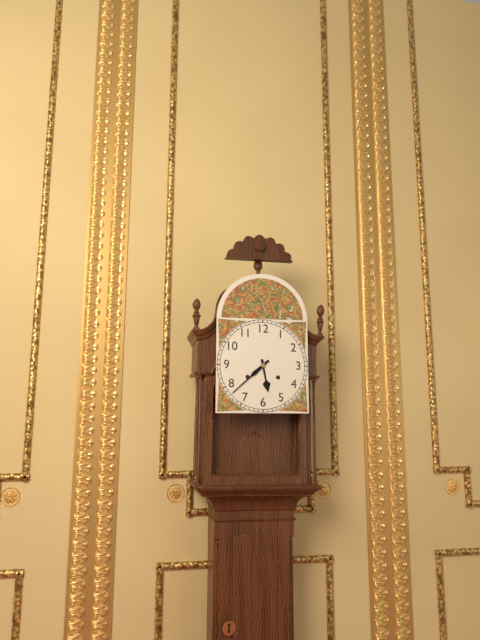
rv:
5.38
